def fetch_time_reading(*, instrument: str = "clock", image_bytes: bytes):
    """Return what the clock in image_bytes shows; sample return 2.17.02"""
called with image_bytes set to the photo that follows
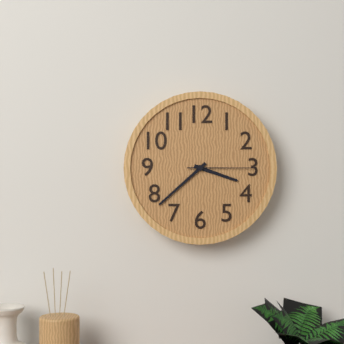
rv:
3.38.15
